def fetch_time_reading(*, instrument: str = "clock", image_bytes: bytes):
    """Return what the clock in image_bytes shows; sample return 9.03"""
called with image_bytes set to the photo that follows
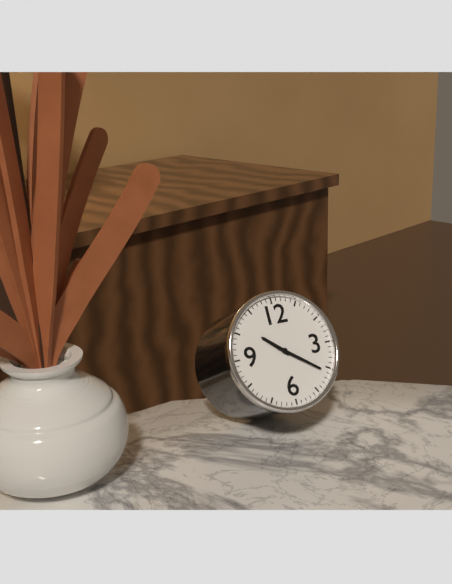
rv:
10.21
